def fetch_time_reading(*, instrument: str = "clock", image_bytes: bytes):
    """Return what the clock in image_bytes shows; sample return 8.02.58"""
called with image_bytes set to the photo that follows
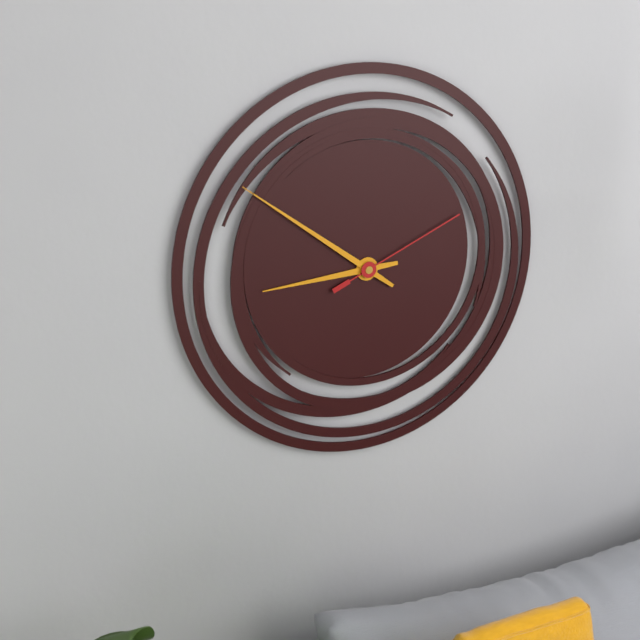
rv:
8.51.11
